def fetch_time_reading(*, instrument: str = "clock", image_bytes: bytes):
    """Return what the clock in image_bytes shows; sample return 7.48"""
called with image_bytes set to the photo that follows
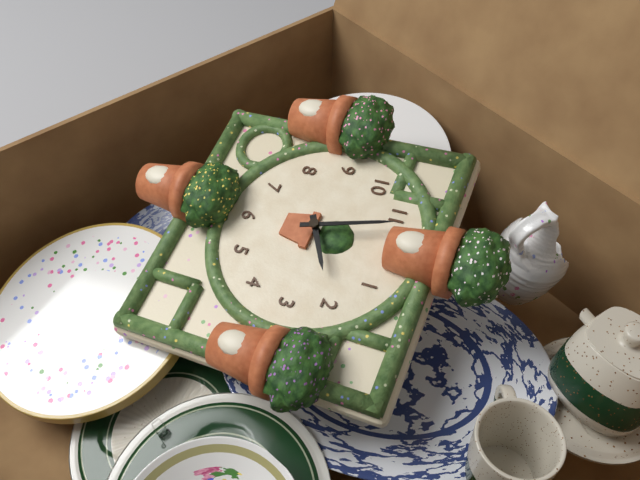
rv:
1.57
